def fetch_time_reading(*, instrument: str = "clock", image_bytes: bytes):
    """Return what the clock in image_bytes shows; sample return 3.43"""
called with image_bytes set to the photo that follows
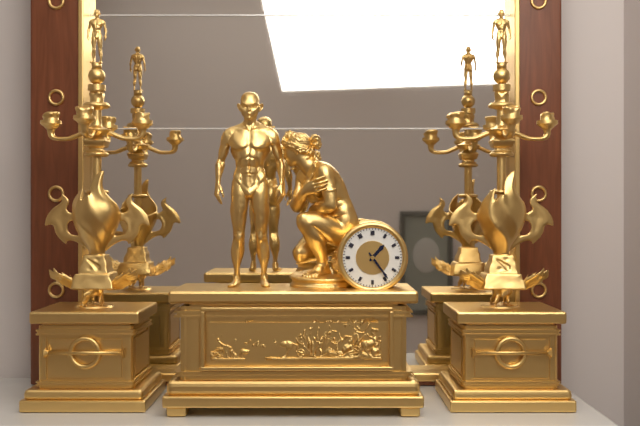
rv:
1.24
